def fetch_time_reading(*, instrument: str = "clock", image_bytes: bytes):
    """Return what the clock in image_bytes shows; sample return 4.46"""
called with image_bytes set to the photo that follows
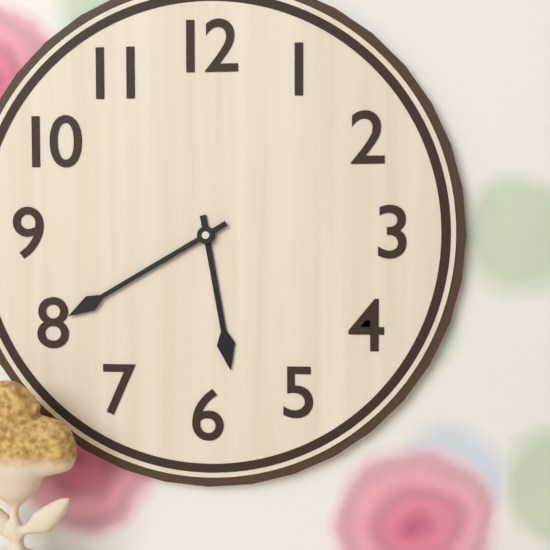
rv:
5.40
